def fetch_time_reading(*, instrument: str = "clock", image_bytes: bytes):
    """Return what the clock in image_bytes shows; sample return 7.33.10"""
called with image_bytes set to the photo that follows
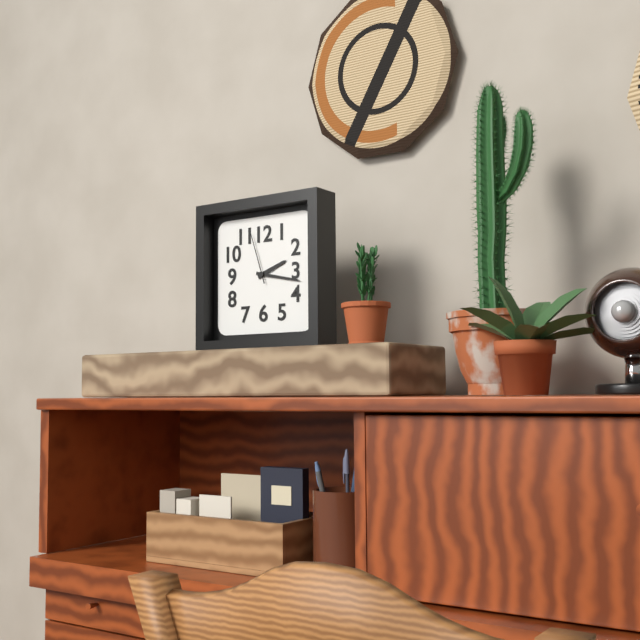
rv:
2.17.57
